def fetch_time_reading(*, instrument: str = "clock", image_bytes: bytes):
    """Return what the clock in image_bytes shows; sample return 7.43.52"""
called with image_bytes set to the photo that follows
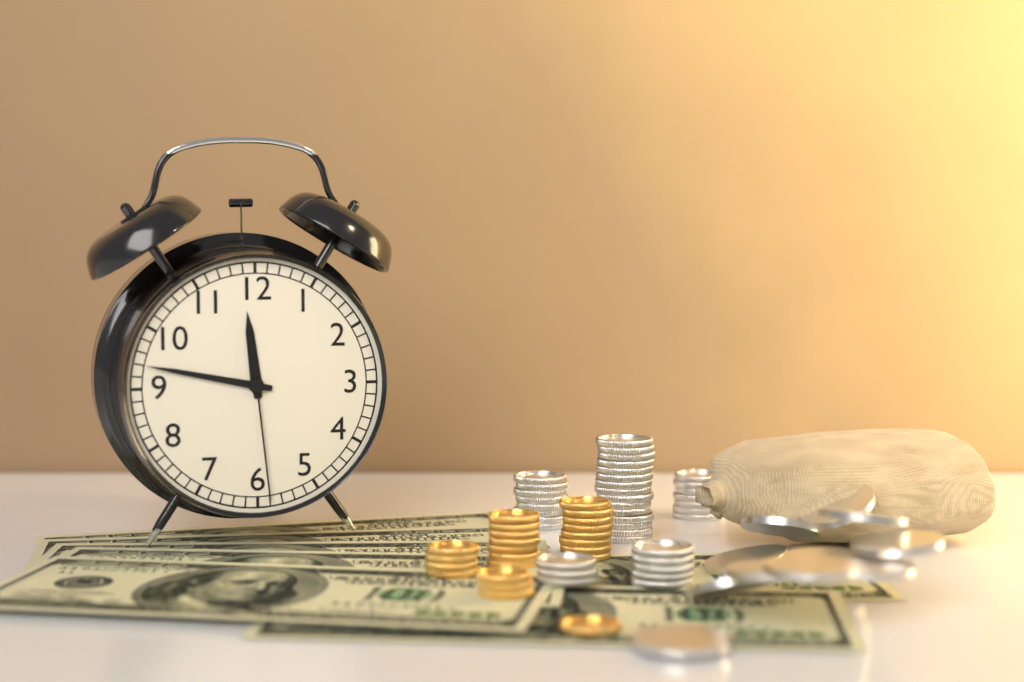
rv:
11.47.29
